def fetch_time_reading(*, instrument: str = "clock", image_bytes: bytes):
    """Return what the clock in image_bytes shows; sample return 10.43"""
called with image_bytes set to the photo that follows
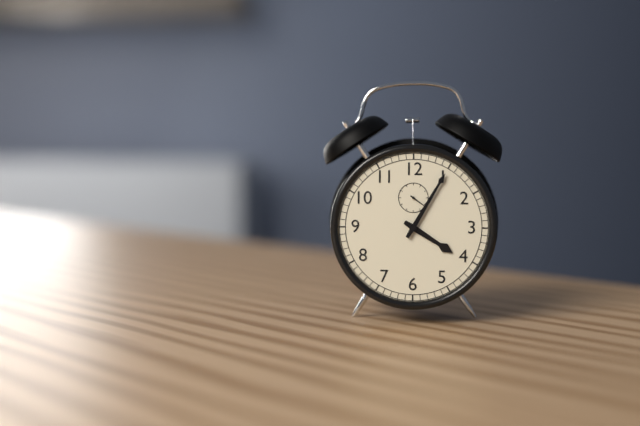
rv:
4.05
